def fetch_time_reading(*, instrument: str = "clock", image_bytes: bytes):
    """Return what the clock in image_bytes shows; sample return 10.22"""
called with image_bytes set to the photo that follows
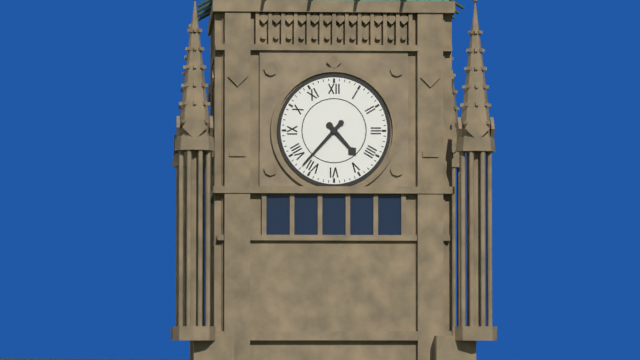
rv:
4.37
